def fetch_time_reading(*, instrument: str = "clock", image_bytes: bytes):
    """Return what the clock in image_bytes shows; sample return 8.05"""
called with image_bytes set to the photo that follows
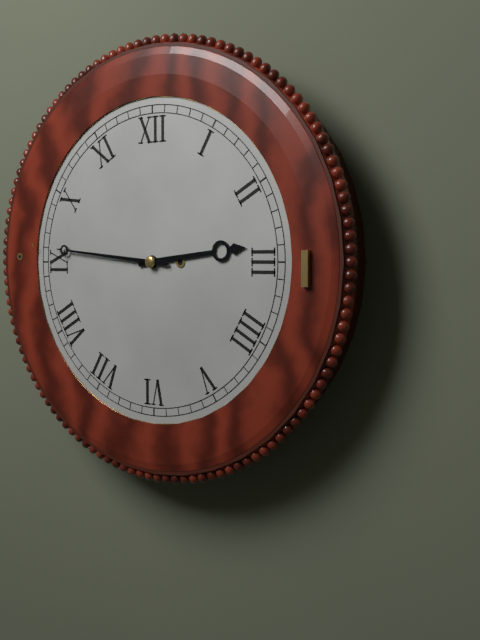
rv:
2.46
